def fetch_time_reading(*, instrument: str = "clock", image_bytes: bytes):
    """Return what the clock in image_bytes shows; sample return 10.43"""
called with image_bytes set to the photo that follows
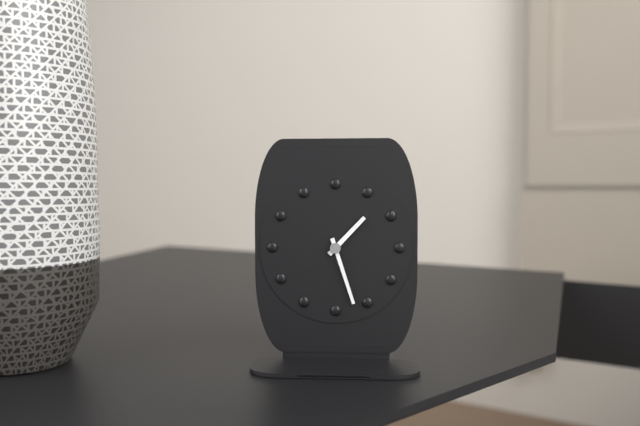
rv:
1.27
